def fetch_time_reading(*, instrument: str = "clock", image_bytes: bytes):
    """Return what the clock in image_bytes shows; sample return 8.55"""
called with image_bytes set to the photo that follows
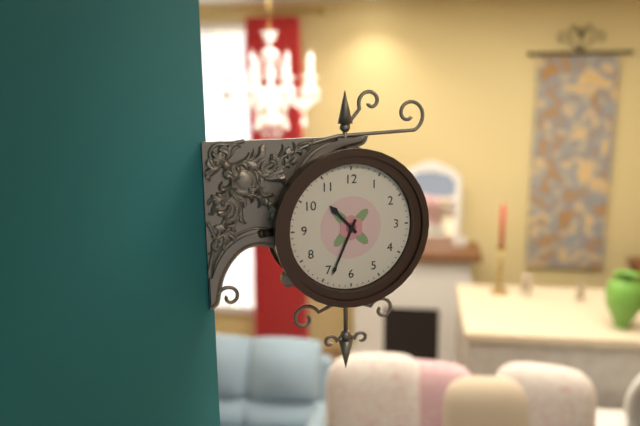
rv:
10.34
